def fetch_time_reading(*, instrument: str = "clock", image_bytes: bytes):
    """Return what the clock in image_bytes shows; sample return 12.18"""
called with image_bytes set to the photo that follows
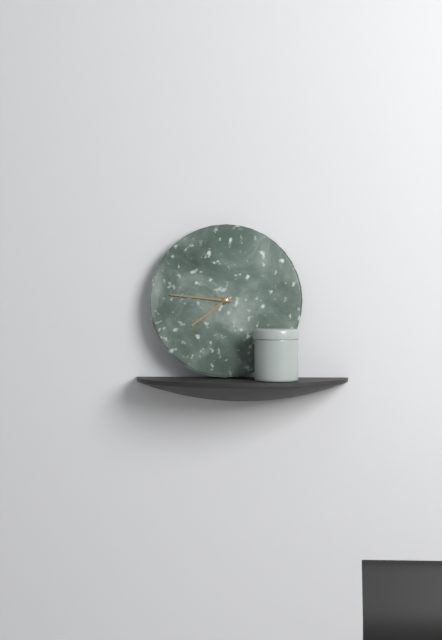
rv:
7.46
